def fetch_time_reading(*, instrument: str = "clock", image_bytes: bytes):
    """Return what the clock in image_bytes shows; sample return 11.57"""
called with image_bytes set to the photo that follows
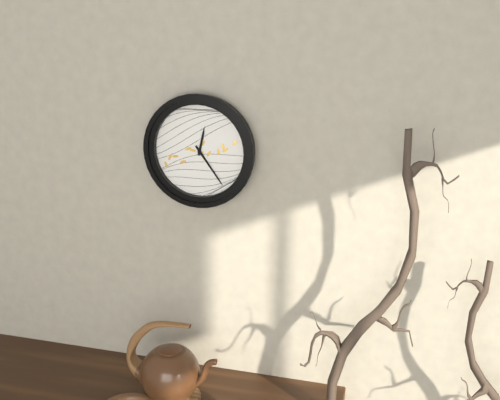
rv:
12.24
